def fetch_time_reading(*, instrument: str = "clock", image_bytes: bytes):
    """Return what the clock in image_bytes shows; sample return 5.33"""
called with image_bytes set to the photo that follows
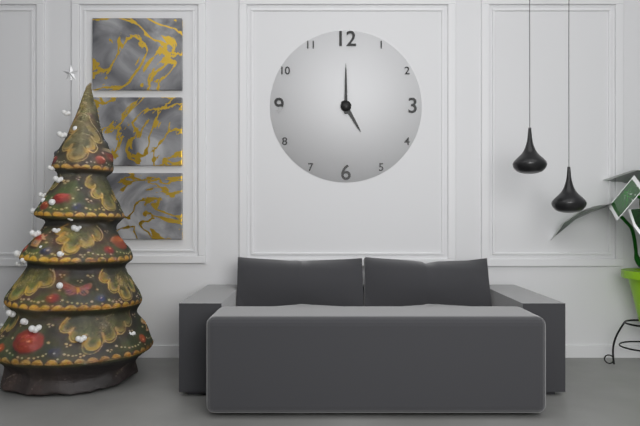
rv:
5.00
